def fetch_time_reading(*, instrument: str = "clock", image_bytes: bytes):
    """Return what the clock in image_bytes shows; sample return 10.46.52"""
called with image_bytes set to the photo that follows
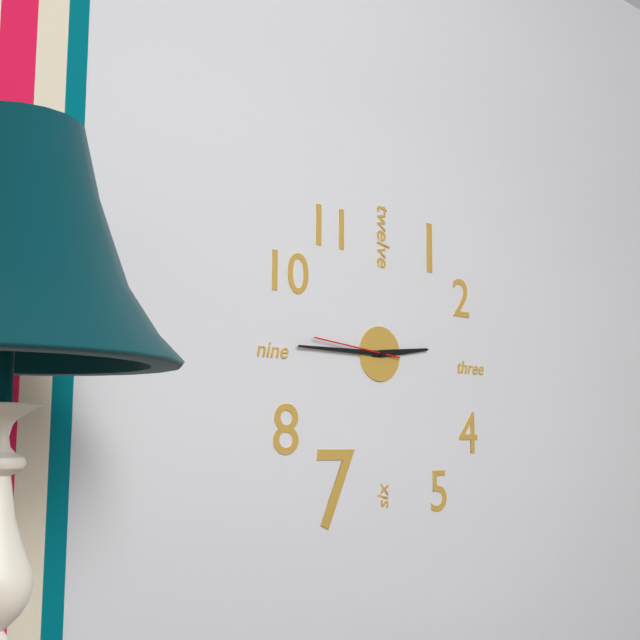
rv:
2.45.46
